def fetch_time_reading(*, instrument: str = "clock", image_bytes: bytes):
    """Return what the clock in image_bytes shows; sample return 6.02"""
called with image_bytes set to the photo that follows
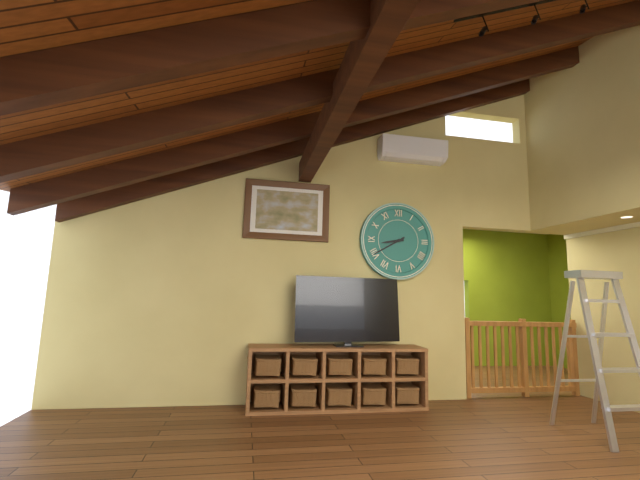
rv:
8.40
